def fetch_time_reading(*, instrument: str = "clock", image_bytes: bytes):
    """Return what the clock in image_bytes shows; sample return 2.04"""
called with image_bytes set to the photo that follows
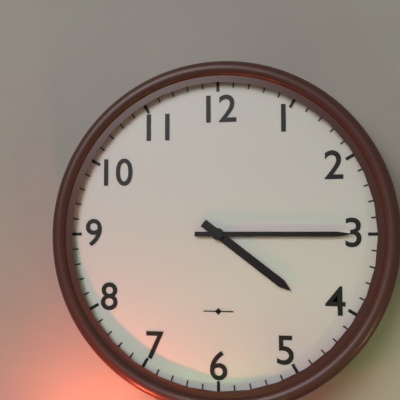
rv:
4.15
